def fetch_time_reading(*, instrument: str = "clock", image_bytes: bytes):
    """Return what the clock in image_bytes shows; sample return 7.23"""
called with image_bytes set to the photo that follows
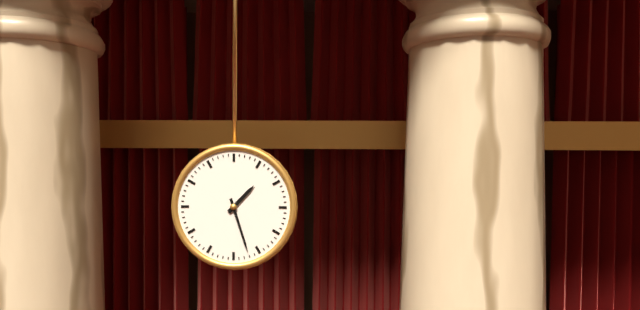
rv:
1.27
